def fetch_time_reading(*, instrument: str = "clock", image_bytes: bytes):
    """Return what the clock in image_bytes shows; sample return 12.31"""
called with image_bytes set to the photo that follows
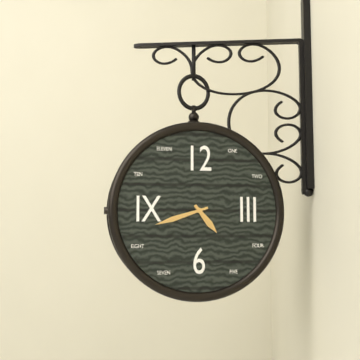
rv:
4.42
